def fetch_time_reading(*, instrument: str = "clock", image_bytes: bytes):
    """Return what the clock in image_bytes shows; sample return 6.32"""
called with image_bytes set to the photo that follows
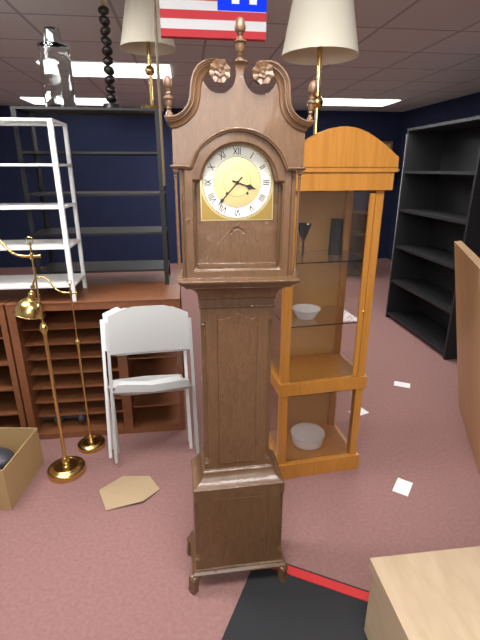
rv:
3.37
